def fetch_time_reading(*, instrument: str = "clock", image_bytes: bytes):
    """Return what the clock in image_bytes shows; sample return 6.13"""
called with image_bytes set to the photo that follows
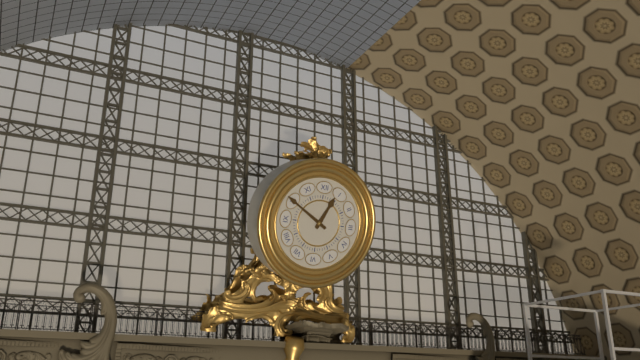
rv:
12.50
